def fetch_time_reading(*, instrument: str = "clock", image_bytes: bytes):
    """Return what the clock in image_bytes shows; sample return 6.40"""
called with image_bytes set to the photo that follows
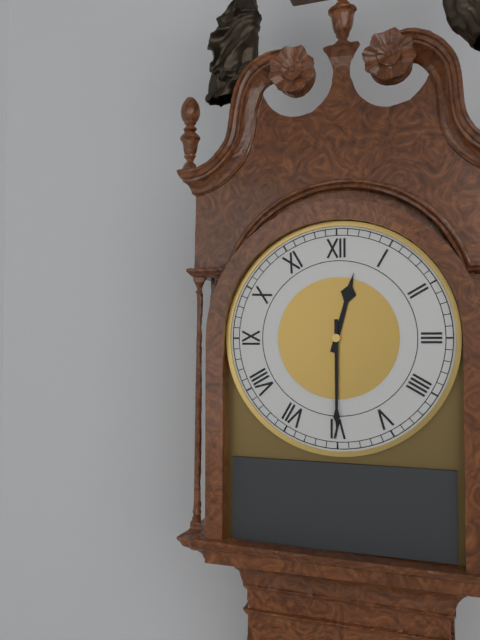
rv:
12.30
